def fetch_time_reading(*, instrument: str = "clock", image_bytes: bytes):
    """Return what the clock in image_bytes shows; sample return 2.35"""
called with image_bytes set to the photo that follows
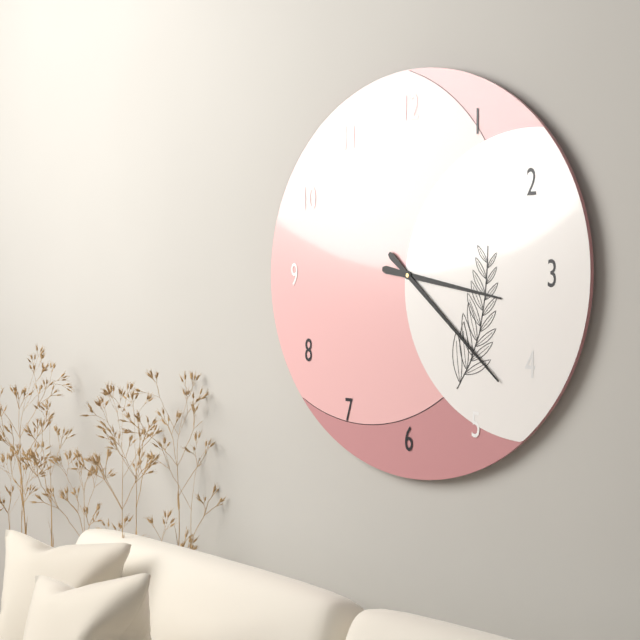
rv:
3.22
